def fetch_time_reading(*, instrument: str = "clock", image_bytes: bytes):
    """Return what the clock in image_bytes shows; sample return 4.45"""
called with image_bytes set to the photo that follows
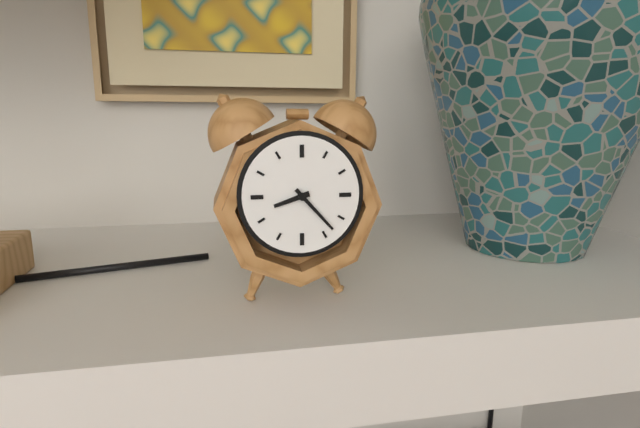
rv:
8.23
